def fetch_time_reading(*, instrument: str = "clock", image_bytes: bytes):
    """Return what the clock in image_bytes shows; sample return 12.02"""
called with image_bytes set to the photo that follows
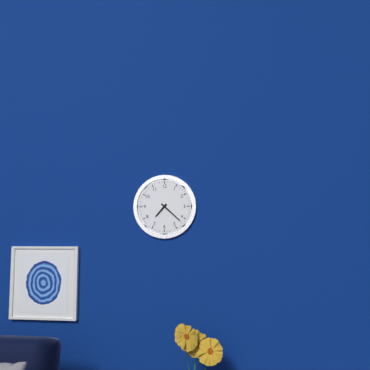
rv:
7.22
